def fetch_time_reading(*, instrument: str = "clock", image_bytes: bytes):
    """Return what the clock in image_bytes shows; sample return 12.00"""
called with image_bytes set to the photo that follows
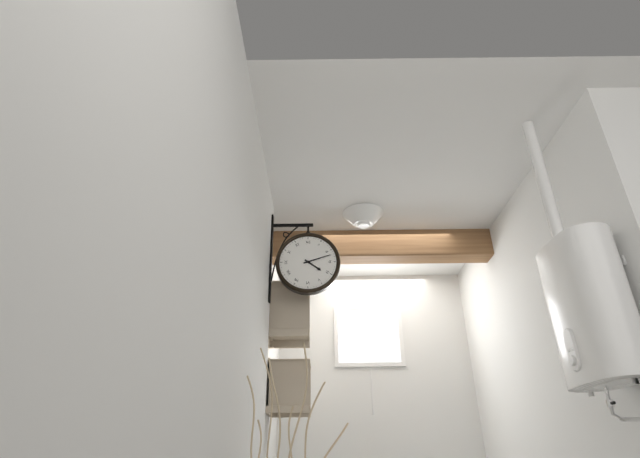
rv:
4.12
